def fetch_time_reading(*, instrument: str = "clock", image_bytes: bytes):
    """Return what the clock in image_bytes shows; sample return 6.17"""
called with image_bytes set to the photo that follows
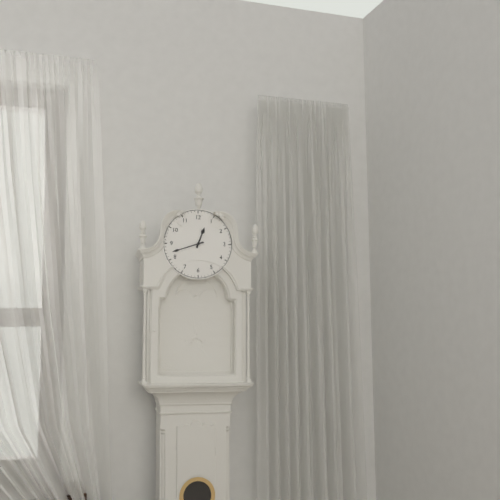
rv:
12.42
